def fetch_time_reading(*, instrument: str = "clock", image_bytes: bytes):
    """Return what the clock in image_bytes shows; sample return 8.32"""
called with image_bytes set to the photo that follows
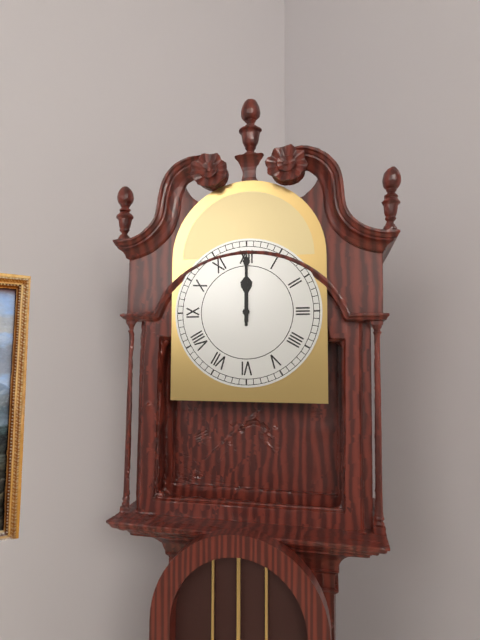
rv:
12.00
